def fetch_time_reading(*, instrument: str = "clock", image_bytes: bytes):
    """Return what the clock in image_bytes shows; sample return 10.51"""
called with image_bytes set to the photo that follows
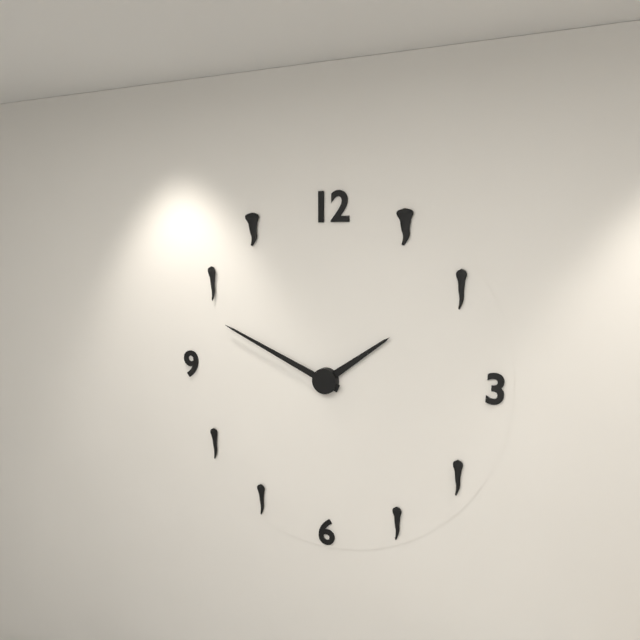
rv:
1.49
